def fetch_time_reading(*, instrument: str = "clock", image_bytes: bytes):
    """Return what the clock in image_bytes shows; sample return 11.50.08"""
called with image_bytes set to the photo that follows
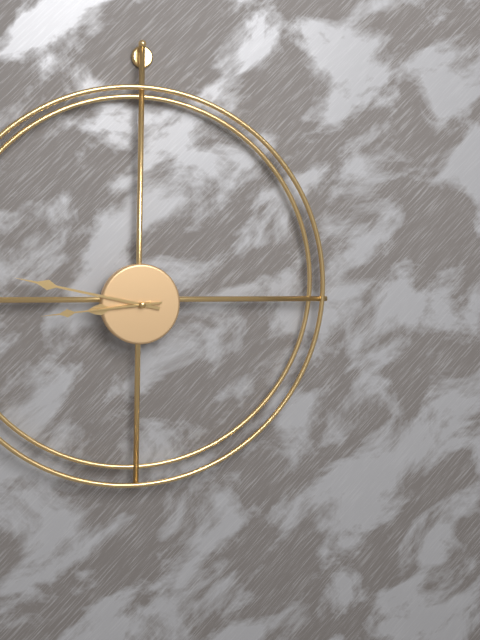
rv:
8.47.44
